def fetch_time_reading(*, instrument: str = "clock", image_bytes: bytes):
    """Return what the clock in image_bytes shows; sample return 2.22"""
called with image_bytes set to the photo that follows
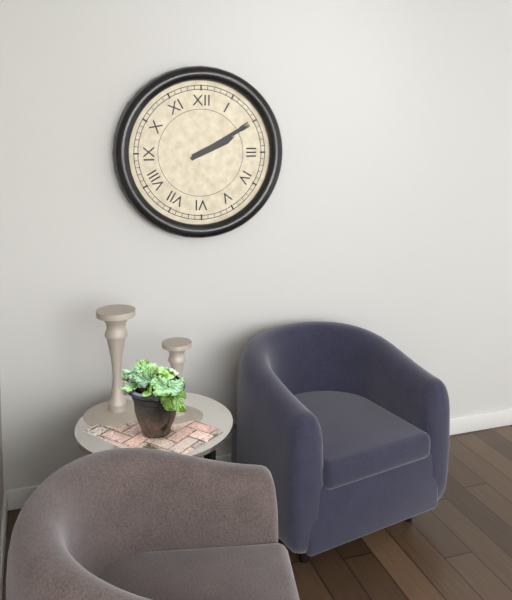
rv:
2.10
